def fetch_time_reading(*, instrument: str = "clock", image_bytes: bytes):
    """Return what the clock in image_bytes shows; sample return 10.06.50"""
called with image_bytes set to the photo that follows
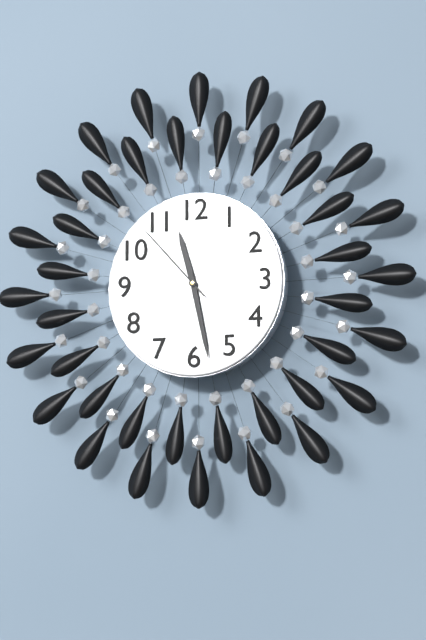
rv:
11.28.53
